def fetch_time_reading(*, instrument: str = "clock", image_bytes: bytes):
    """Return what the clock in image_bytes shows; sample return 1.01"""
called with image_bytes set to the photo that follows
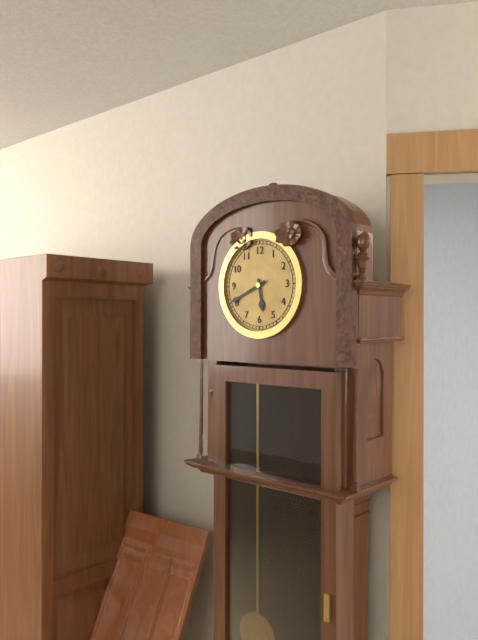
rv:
5.41
